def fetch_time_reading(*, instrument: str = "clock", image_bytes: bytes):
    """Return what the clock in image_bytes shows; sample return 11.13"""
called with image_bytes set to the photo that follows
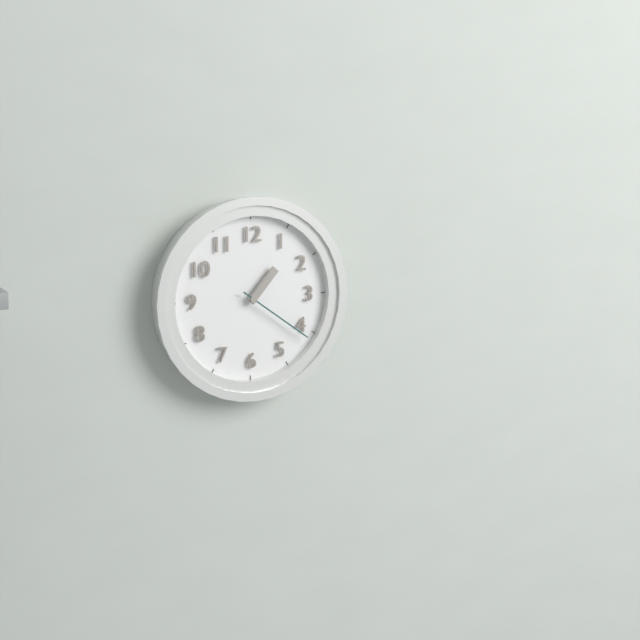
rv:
1.21
